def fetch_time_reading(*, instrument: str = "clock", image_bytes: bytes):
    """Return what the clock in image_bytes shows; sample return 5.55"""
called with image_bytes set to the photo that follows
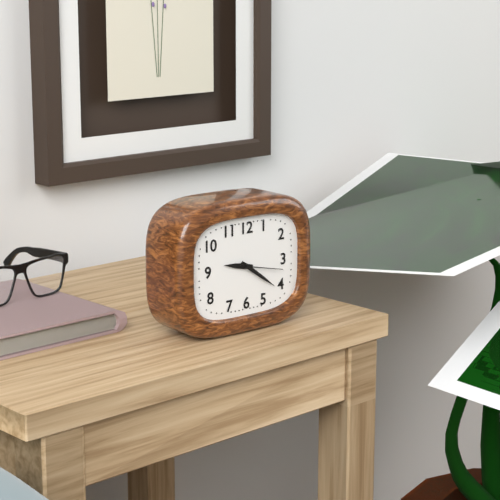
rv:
9.21
